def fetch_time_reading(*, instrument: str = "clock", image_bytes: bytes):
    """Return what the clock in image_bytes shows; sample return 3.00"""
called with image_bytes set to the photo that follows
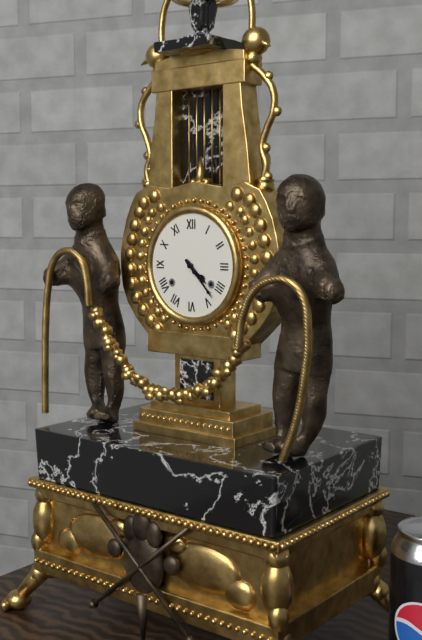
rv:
4.23
